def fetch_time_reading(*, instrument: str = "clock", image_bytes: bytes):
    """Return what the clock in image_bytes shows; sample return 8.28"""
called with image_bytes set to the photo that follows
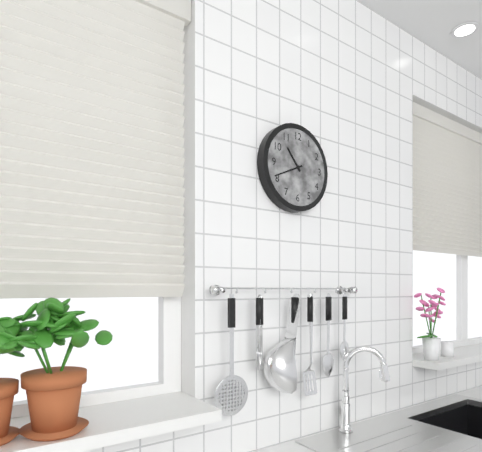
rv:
10.41
